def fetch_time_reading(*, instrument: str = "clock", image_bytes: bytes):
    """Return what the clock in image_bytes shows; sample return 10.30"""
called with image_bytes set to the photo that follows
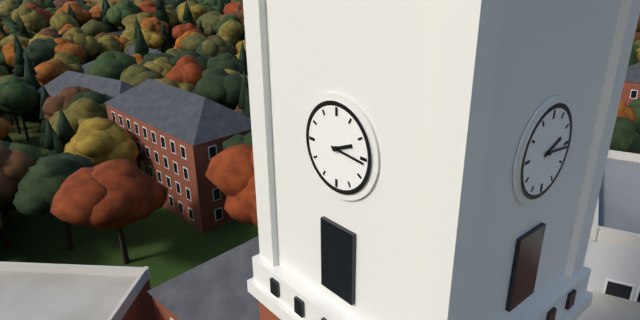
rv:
2.16
